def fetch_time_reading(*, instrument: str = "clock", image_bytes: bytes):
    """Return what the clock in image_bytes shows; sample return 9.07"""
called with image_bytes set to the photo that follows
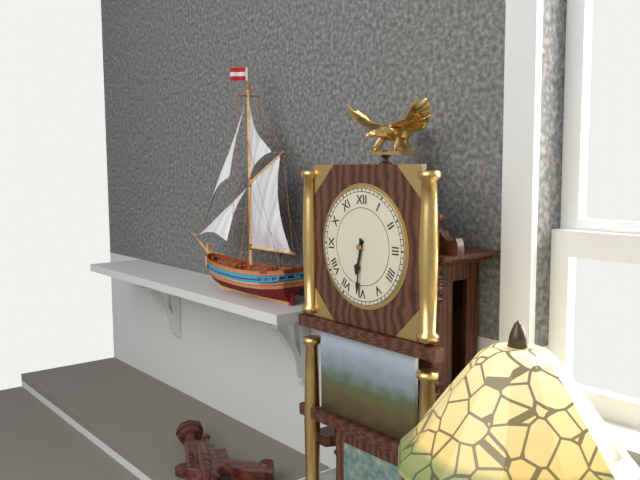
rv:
6.31
